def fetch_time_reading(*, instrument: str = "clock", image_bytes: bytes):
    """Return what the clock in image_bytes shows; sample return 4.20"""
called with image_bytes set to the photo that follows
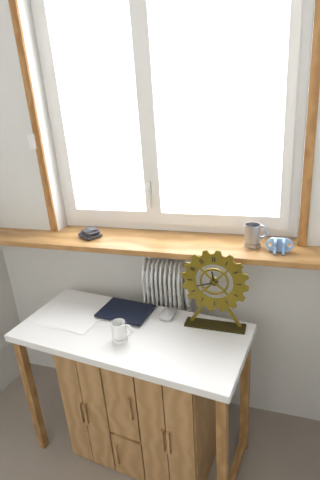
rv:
11.42
